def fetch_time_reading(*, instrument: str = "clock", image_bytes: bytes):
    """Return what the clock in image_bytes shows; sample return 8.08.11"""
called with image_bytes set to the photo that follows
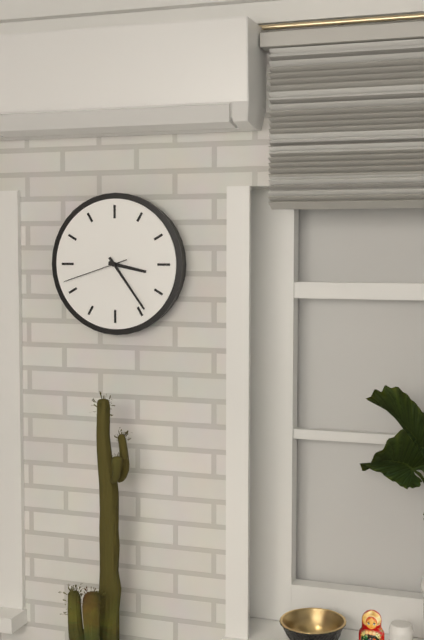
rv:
3.24.42
